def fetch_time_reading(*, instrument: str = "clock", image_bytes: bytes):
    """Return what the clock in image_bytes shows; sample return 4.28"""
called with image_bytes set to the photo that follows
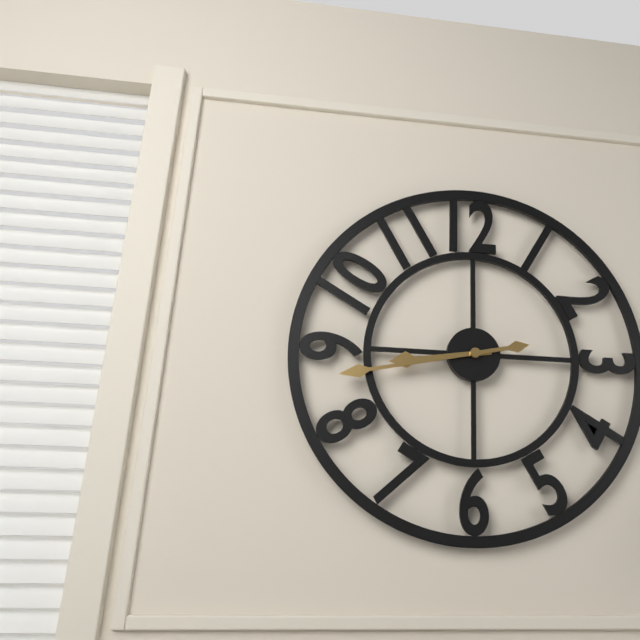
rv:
8.43
